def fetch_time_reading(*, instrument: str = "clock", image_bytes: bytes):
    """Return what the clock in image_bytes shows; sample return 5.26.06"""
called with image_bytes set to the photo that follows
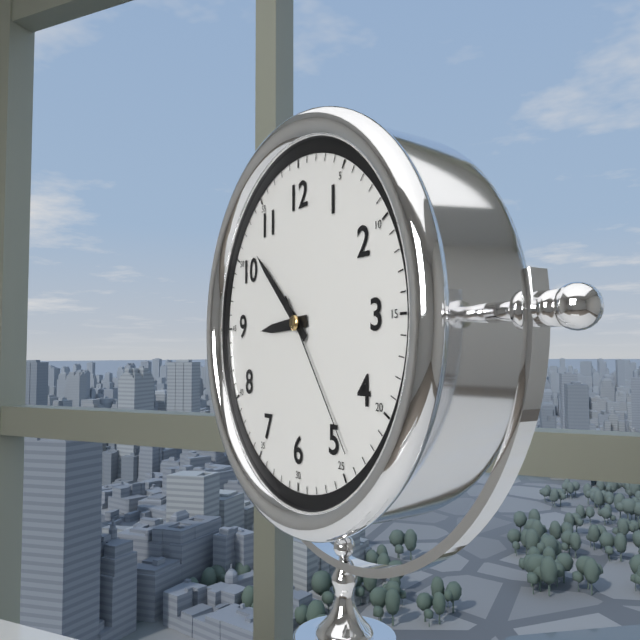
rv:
8.52.24
